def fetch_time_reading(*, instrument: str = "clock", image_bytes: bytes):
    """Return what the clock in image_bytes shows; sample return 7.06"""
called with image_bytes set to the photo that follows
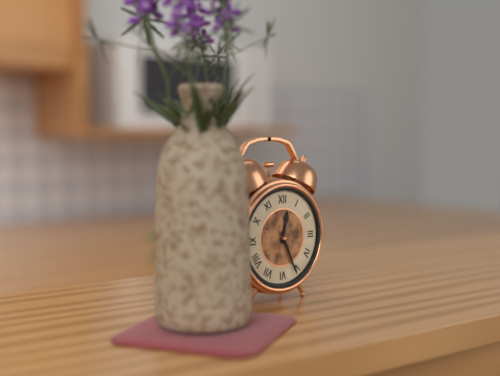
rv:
12.26
